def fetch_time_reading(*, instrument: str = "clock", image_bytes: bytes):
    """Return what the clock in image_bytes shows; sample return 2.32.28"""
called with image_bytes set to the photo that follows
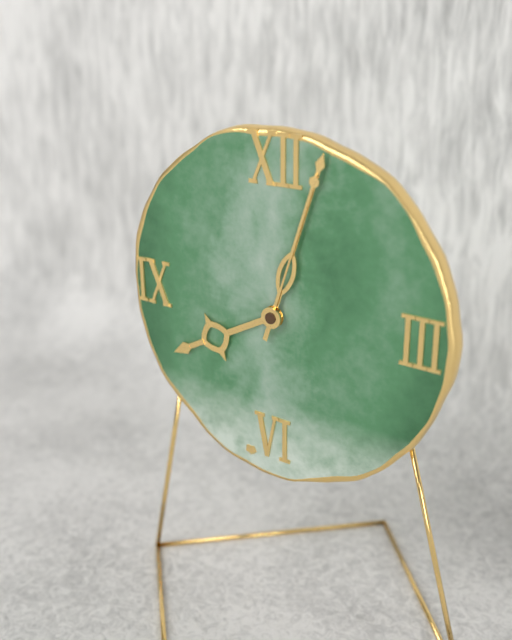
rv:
8.03.03
